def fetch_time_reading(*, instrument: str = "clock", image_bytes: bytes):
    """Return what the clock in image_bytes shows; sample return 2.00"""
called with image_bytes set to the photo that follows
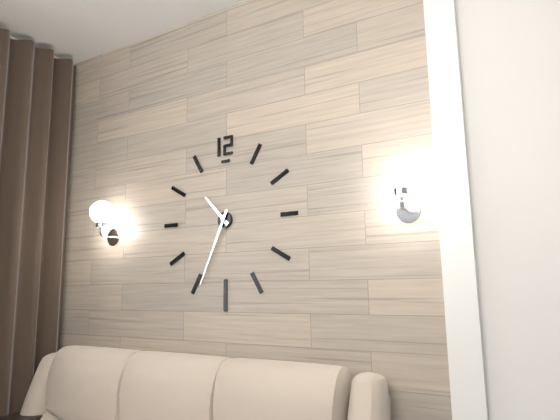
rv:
10.34
